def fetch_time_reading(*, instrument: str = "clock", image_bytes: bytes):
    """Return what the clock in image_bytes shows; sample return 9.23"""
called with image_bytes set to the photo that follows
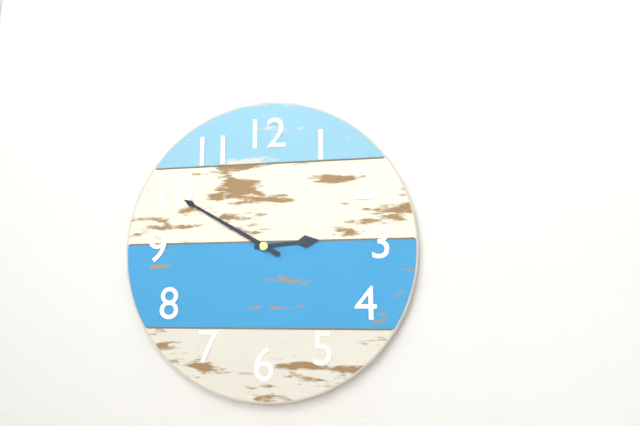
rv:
2.50
